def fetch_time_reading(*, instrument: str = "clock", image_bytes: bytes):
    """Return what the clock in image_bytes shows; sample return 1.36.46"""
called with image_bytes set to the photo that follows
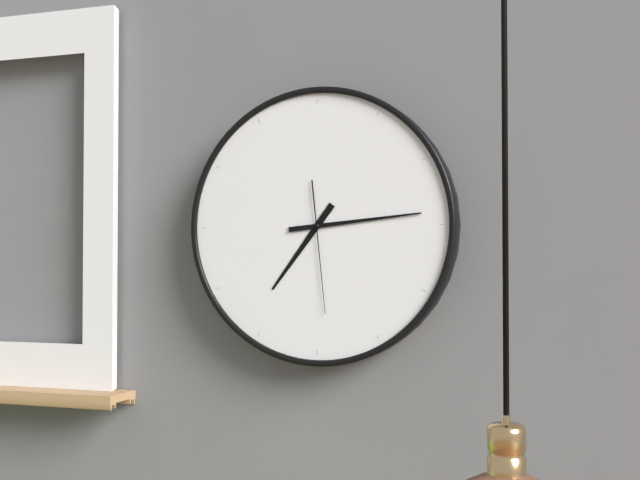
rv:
7.14.29
